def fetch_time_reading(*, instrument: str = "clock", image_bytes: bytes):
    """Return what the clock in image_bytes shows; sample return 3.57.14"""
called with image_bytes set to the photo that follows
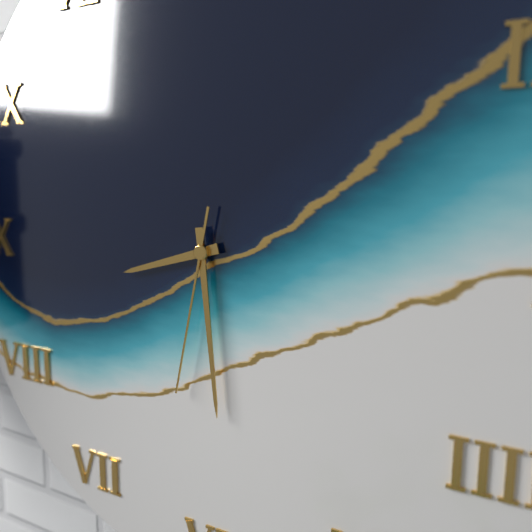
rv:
8.29.32
